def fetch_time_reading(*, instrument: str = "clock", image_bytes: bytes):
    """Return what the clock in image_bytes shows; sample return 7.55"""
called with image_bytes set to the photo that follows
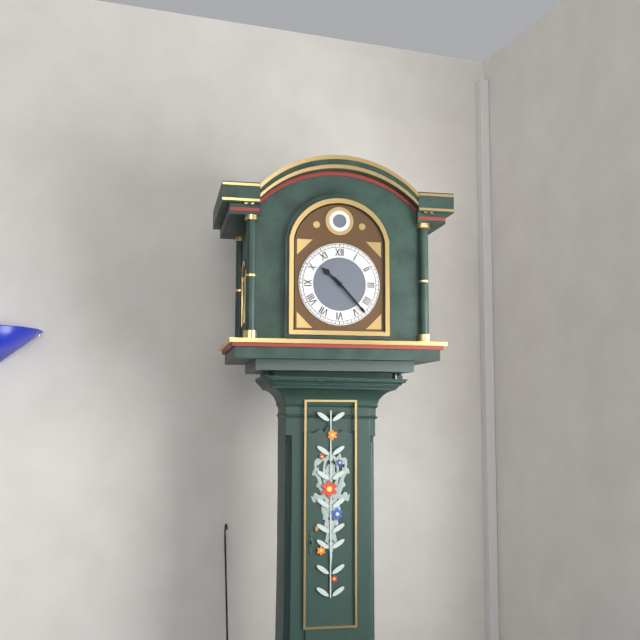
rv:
10.23
